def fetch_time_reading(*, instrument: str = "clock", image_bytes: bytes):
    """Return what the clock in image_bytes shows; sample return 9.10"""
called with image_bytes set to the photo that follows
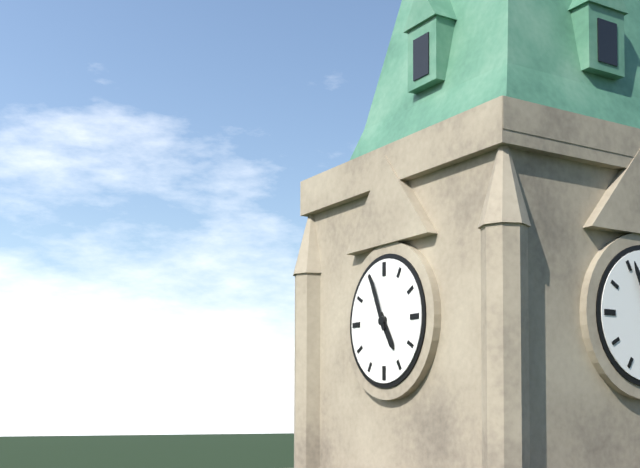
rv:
4.56
